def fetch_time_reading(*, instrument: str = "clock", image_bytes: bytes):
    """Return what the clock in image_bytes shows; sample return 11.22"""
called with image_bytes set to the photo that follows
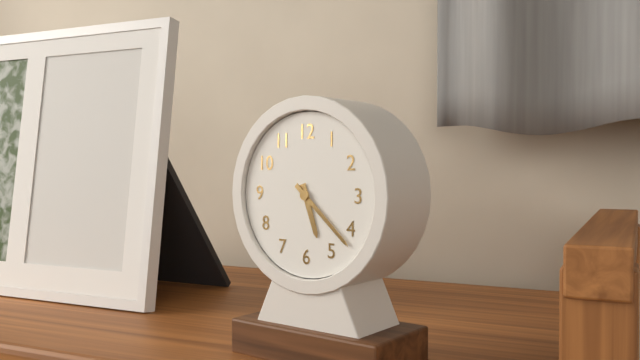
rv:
5.22
